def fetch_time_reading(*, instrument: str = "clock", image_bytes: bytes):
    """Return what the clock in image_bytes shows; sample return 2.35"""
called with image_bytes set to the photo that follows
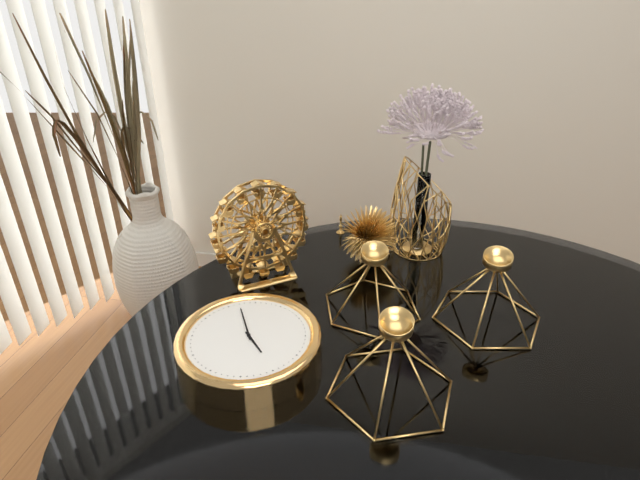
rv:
4.57
